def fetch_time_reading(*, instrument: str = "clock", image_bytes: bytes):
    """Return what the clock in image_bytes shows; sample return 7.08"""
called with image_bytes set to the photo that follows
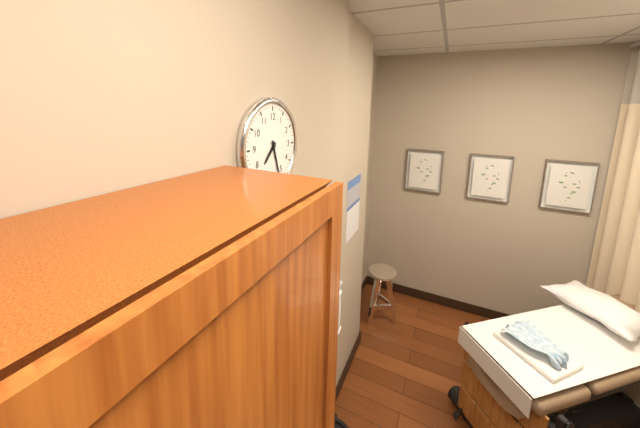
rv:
7.27
